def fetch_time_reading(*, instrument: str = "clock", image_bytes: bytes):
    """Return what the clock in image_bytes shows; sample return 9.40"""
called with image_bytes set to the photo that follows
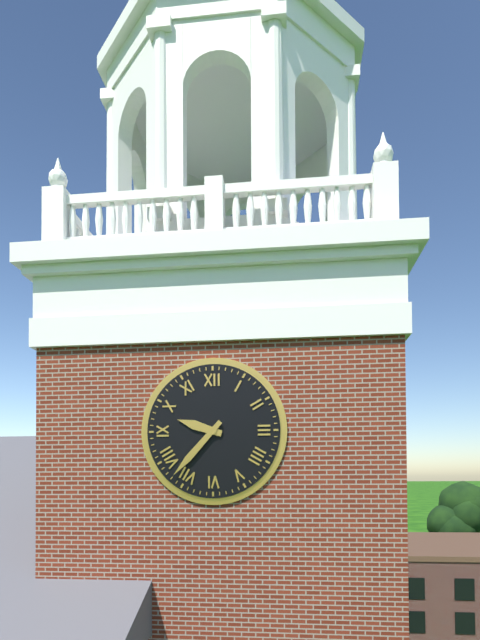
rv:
9.37
